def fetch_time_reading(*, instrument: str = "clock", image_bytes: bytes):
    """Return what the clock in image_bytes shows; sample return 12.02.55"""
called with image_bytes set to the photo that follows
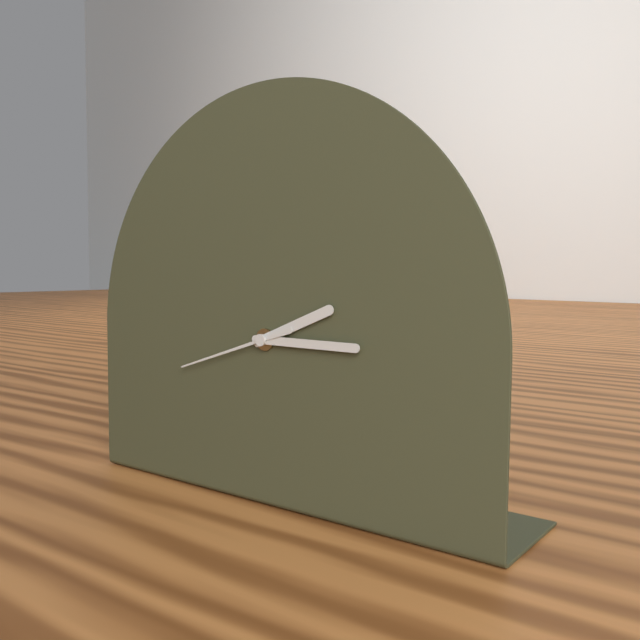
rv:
2.15.42
